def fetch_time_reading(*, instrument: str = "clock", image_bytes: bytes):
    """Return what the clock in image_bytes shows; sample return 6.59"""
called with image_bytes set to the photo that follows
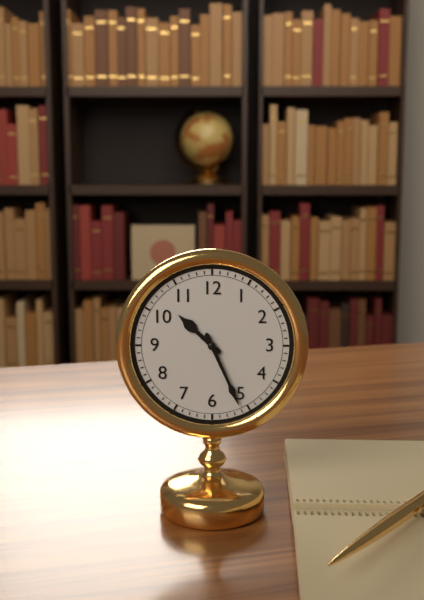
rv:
10.26
